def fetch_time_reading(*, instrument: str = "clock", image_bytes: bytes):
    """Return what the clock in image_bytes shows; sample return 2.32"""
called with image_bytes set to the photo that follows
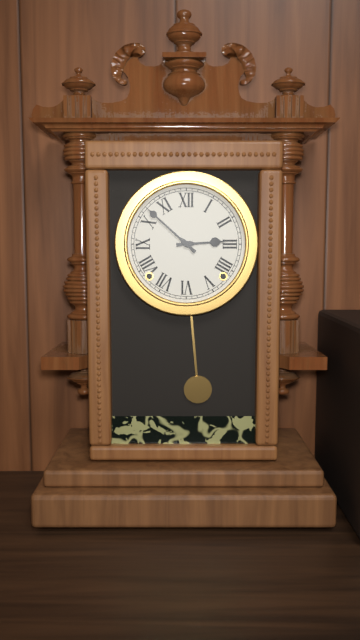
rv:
2.52
